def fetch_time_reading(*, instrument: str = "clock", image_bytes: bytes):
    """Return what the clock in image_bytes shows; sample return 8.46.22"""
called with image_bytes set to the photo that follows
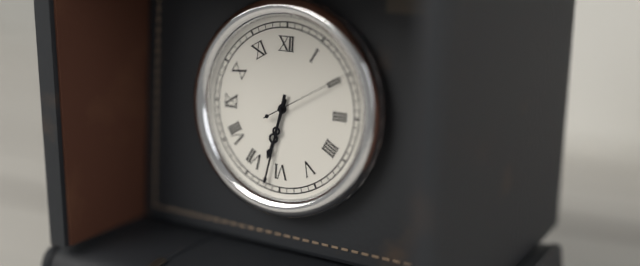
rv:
6.32.10
